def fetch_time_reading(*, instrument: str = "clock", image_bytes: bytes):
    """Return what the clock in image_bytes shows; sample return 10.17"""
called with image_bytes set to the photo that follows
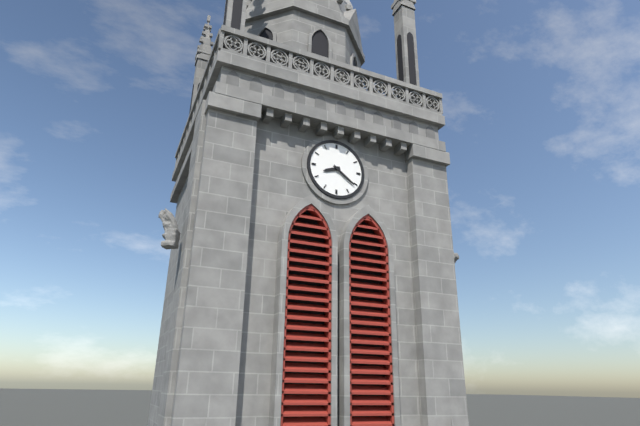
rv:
8.21
